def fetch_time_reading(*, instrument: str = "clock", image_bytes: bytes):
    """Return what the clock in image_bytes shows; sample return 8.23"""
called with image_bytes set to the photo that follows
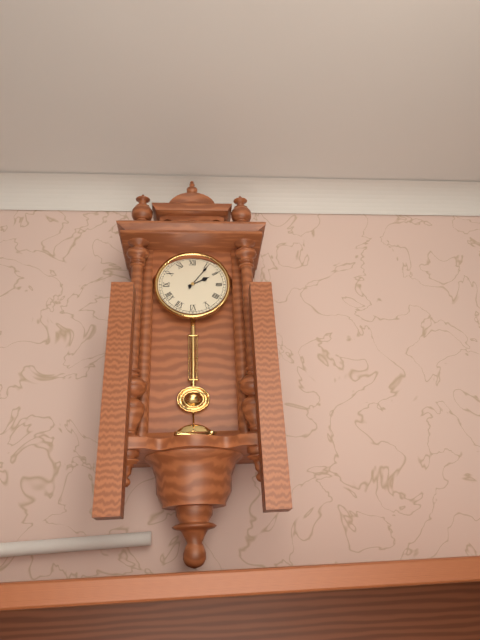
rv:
2.06
